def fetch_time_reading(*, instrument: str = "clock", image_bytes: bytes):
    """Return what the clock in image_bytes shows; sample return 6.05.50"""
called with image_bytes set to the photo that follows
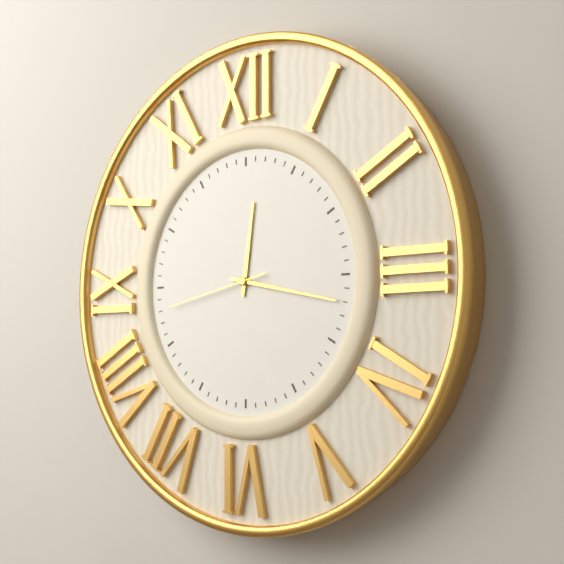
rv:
12.17.43
